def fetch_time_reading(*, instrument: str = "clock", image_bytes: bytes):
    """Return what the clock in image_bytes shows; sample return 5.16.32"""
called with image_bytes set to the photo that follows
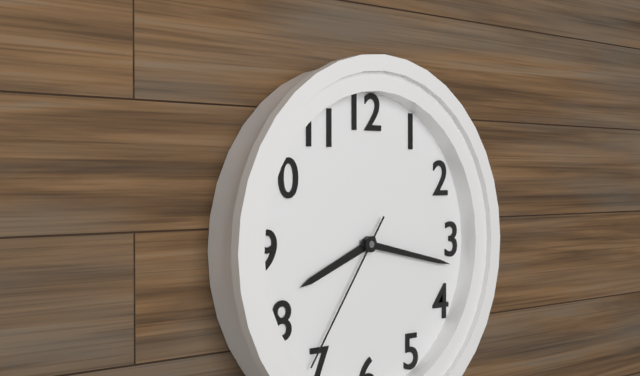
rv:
8.17.36
